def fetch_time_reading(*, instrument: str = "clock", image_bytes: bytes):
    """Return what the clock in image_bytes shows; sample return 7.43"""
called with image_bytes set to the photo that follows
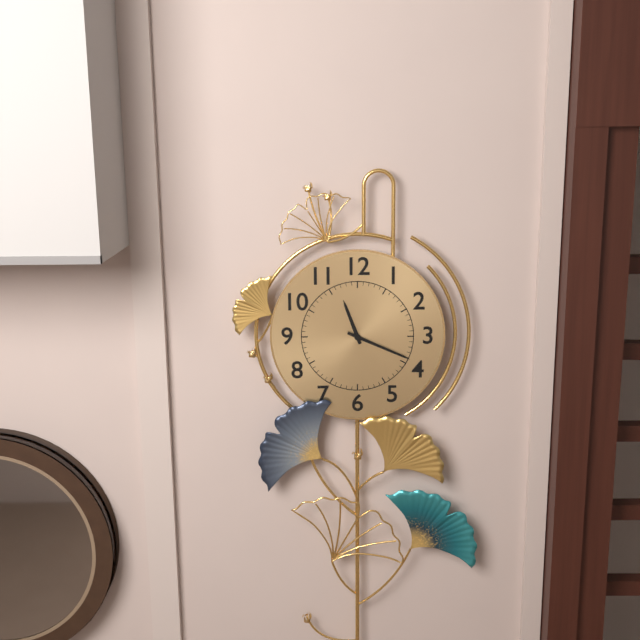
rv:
11.19
